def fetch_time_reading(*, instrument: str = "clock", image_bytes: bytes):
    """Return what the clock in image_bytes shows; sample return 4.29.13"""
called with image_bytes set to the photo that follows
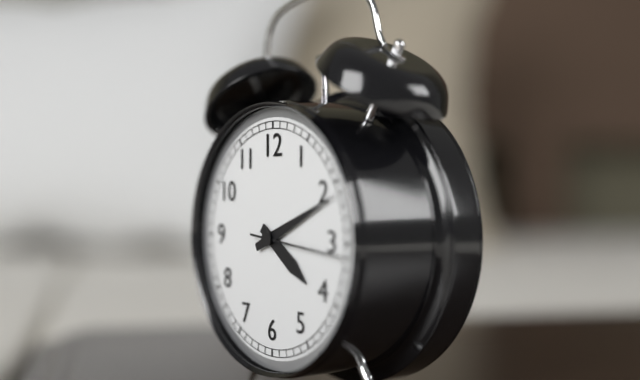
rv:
4.11.16
